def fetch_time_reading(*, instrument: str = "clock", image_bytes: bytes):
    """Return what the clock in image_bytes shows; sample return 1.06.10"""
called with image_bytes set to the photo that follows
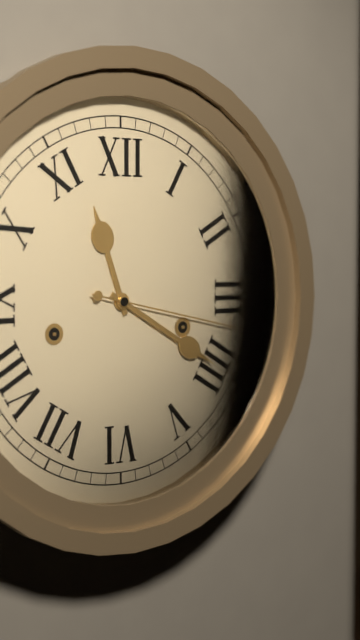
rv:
11.20.17
